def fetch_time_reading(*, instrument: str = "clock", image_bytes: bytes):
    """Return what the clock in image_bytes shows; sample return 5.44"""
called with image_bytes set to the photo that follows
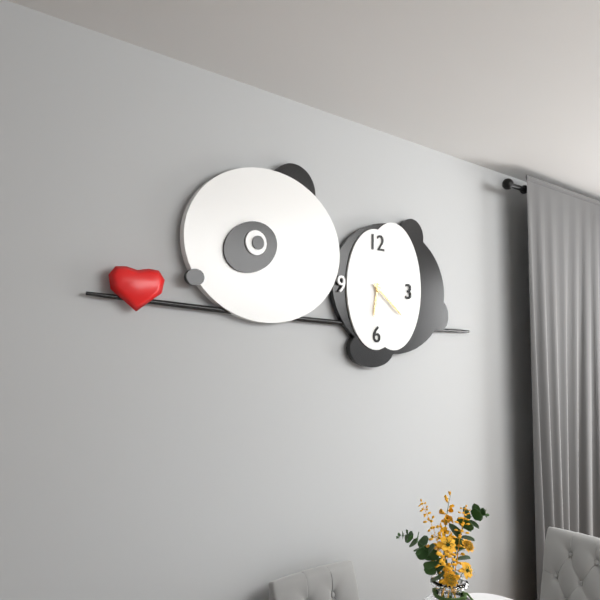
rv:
6.21
